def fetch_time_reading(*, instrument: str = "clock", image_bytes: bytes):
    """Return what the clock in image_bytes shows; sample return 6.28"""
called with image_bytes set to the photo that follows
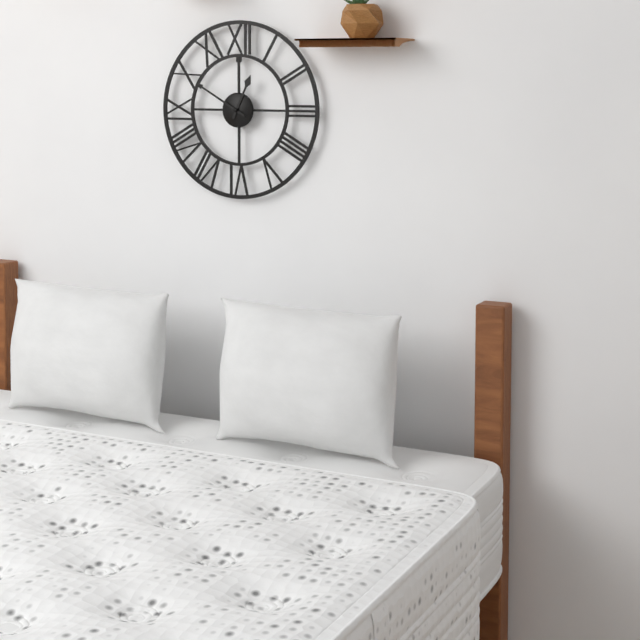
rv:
12.50
